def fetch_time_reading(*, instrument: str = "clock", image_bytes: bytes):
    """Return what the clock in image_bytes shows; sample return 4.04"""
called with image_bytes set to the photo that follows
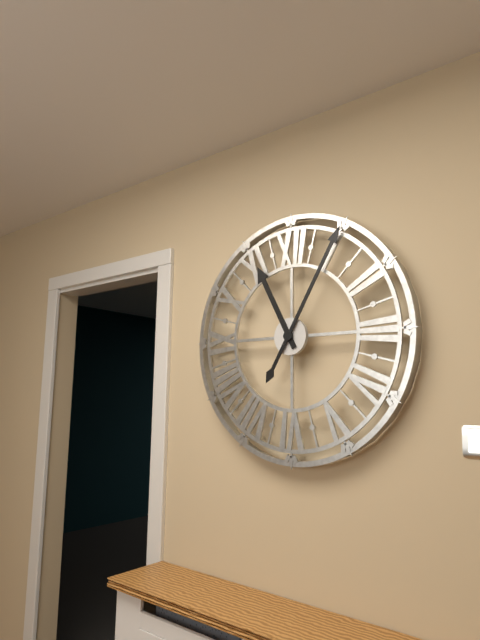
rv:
11.05
